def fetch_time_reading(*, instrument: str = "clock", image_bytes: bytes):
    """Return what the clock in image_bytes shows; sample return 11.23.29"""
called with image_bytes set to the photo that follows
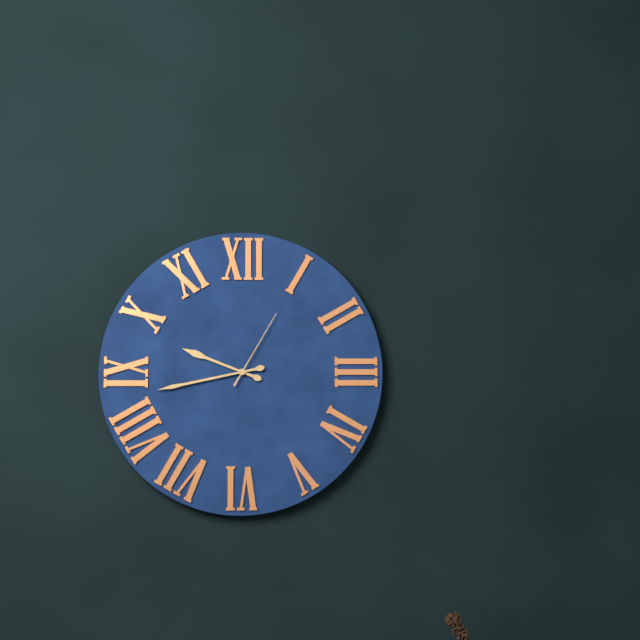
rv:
9.43.05
